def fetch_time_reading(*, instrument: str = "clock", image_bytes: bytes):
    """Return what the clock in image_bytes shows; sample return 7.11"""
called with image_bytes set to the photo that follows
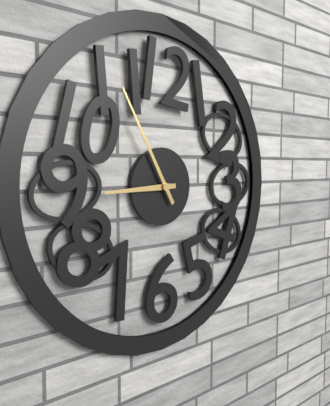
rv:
8.55
